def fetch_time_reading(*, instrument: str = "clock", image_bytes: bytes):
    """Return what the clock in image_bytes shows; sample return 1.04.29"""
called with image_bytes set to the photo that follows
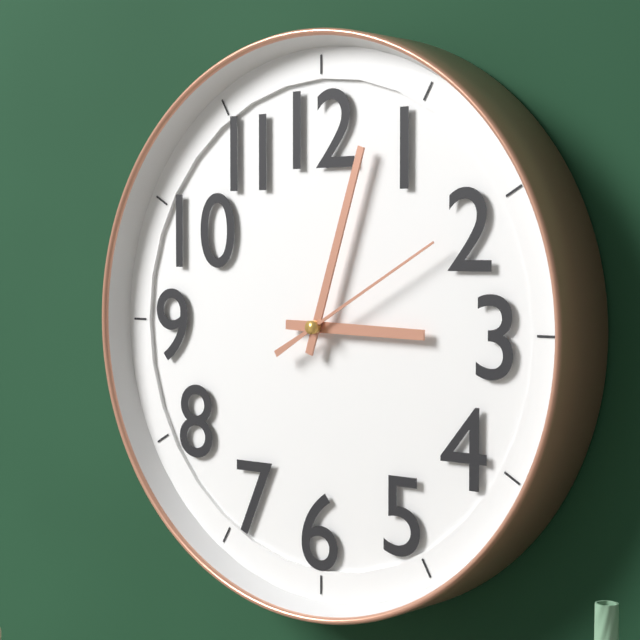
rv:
3.03.10
